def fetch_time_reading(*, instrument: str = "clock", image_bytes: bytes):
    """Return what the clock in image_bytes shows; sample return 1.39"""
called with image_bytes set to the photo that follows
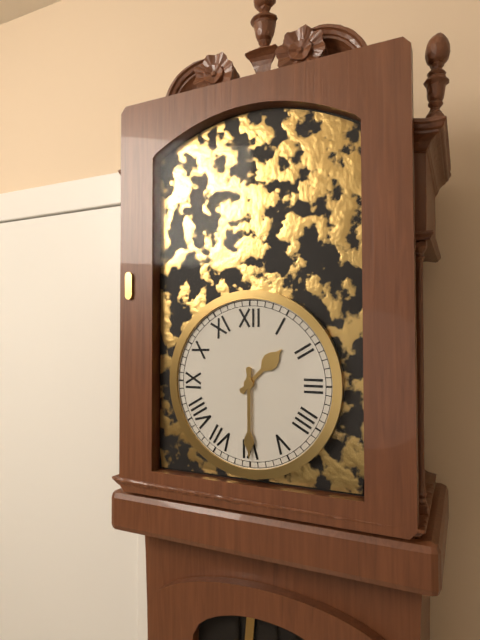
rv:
1.30
